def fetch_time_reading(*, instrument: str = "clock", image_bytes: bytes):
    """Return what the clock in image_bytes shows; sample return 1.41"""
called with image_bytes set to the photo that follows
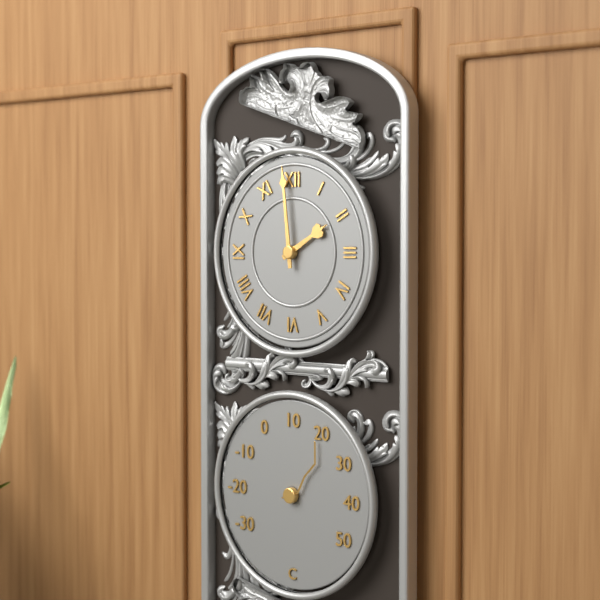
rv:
1.59
